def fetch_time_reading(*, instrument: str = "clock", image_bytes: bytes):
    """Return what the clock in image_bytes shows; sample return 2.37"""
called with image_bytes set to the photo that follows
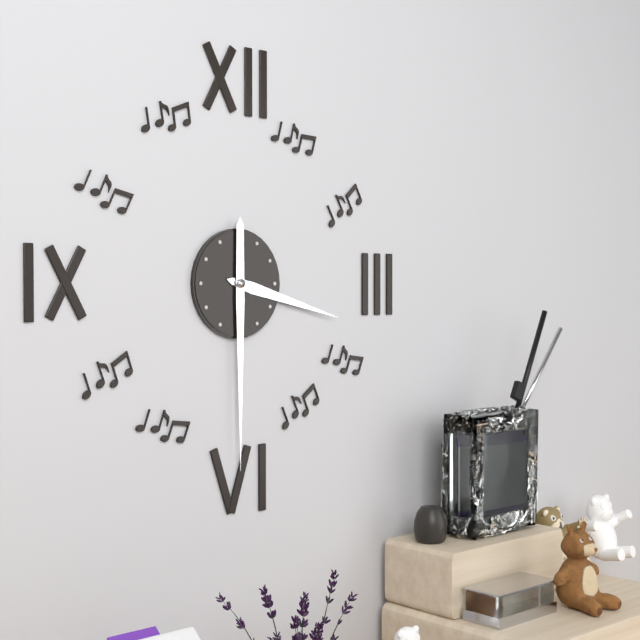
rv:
3.30
